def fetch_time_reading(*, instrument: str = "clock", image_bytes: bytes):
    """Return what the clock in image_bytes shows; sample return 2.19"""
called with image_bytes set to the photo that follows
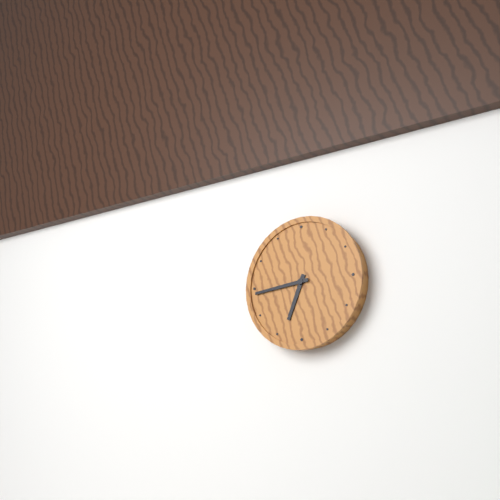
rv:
6.44
